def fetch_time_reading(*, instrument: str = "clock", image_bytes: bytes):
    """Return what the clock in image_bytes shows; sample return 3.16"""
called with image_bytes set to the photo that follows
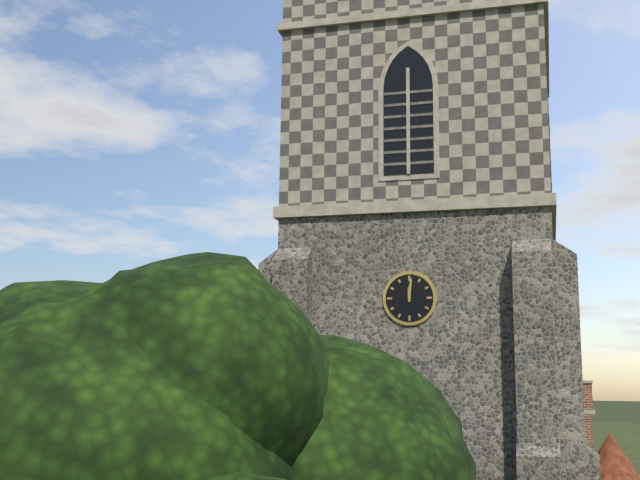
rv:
12.01
